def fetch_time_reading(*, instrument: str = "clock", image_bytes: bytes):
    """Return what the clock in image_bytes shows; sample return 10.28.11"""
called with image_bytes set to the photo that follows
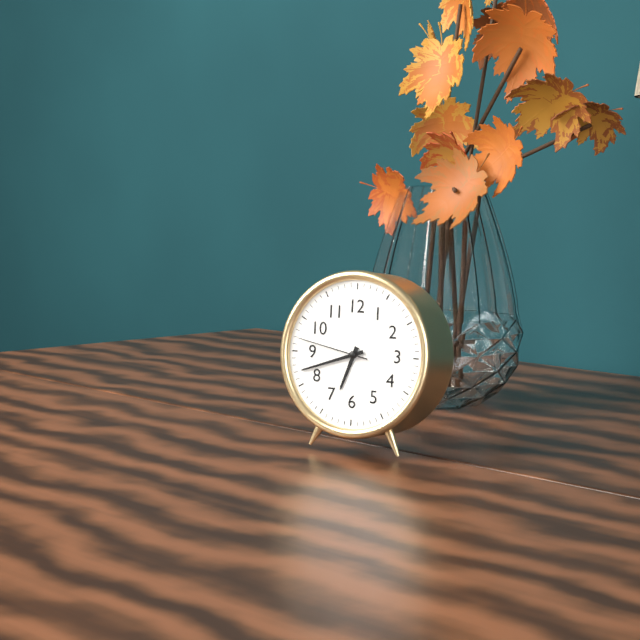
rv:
6.42.47
